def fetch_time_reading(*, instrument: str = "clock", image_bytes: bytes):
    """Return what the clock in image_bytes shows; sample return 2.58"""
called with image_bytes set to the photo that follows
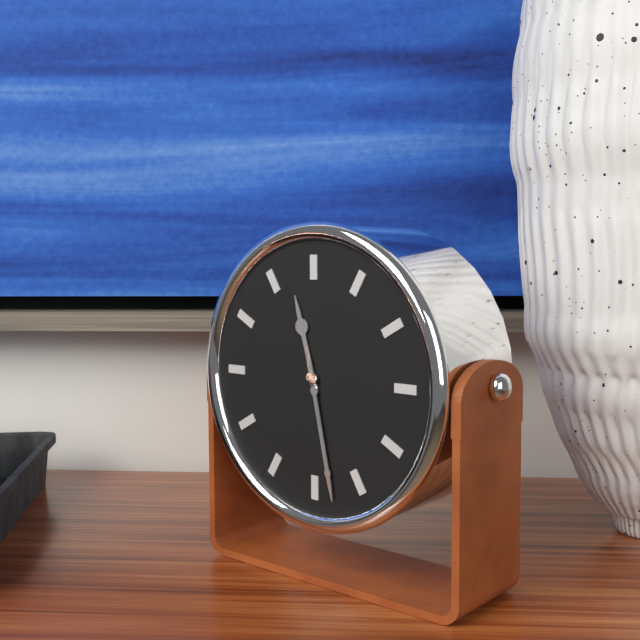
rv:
11.28
